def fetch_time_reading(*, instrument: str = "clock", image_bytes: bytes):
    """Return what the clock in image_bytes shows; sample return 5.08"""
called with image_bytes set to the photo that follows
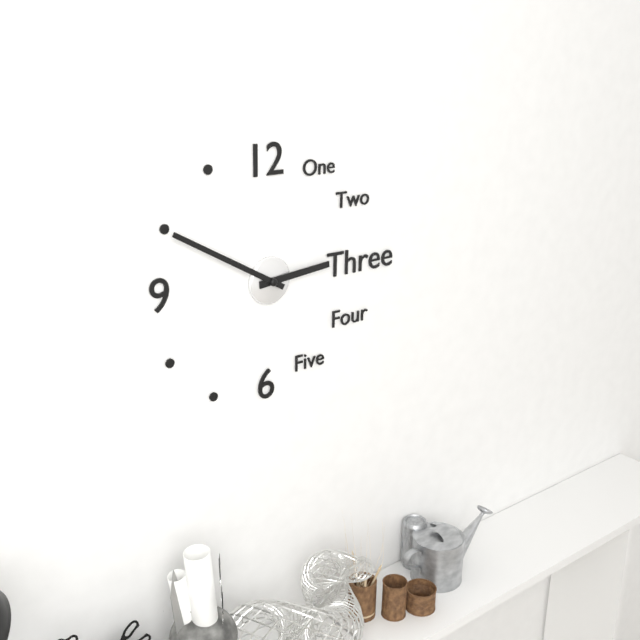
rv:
2.50
